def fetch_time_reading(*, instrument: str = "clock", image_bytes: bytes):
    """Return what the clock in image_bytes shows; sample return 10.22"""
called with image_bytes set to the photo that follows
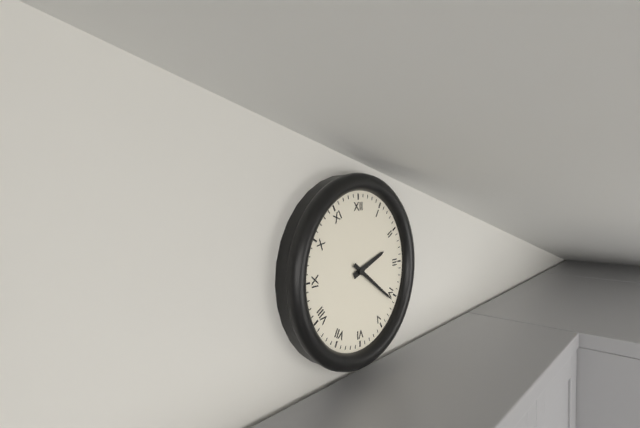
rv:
2.21
